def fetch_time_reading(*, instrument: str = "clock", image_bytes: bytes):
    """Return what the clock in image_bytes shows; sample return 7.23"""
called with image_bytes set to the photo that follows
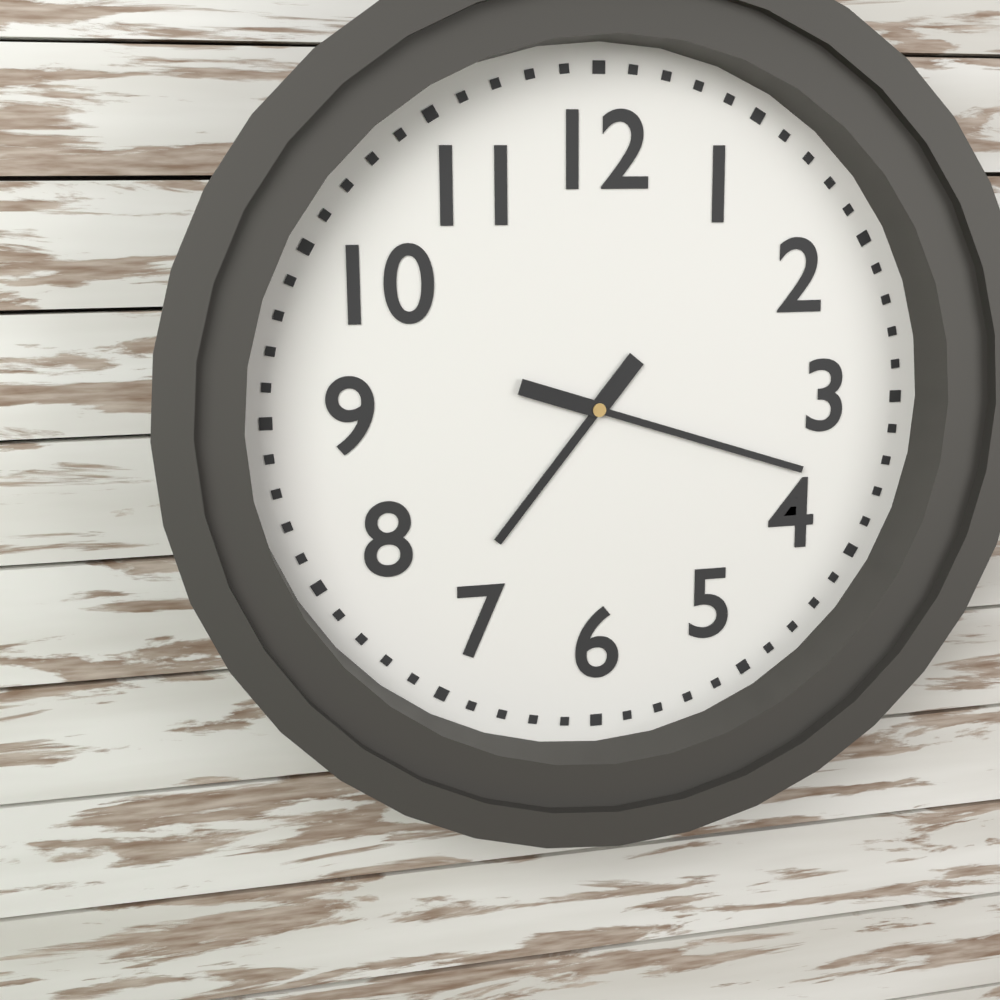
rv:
7.18
